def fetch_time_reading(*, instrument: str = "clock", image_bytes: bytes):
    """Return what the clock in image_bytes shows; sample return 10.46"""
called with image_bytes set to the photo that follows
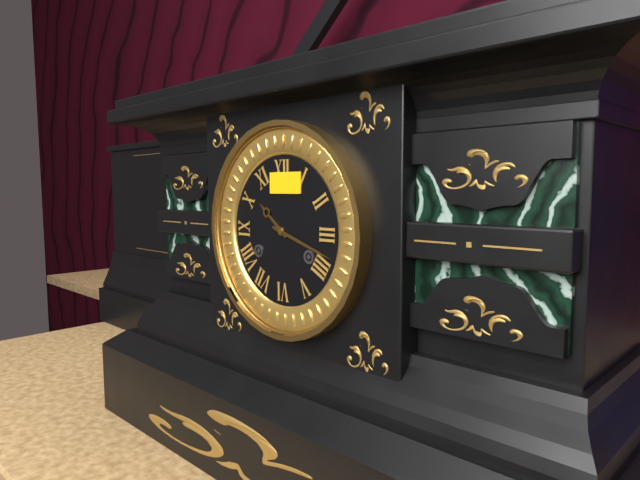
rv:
10.18
